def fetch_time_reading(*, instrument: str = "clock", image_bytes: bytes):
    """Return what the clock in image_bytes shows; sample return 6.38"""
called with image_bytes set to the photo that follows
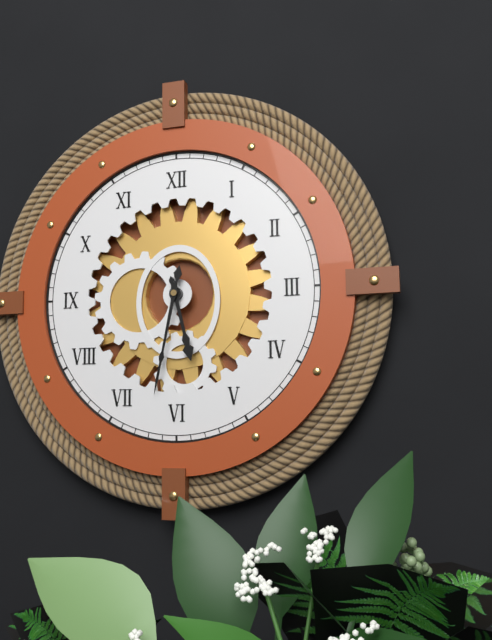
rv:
5.32
